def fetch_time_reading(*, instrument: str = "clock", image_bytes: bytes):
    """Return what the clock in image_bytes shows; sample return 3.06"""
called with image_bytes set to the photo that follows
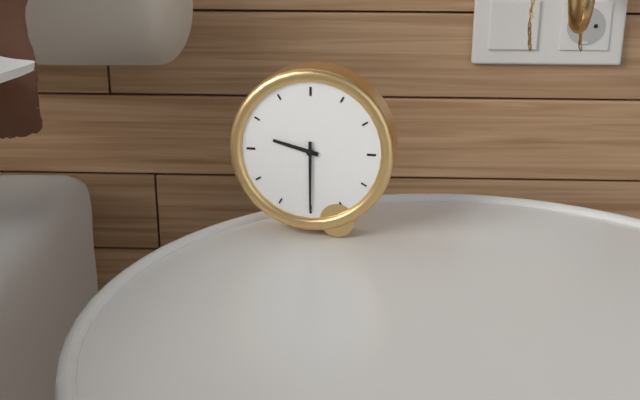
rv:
9.30
